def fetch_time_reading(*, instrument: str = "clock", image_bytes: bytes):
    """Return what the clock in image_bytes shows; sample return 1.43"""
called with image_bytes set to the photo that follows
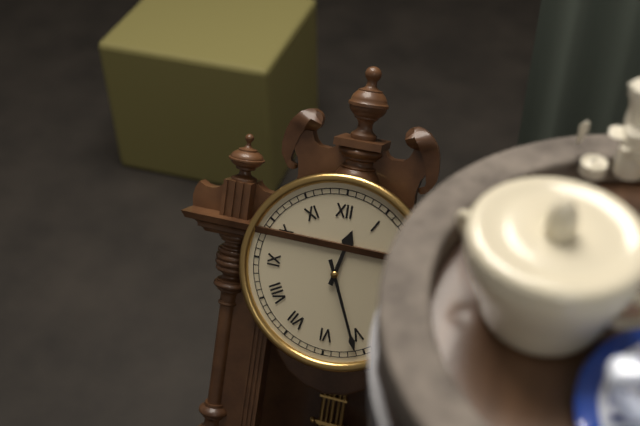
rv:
12.26
